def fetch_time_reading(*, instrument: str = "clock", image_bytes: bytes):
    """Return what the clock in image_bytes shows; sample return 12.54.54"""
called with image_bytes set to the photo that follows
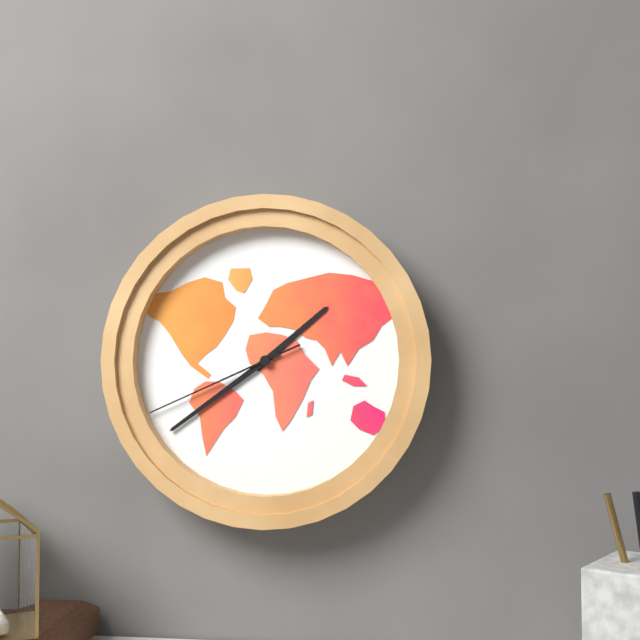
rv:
1.39.41
